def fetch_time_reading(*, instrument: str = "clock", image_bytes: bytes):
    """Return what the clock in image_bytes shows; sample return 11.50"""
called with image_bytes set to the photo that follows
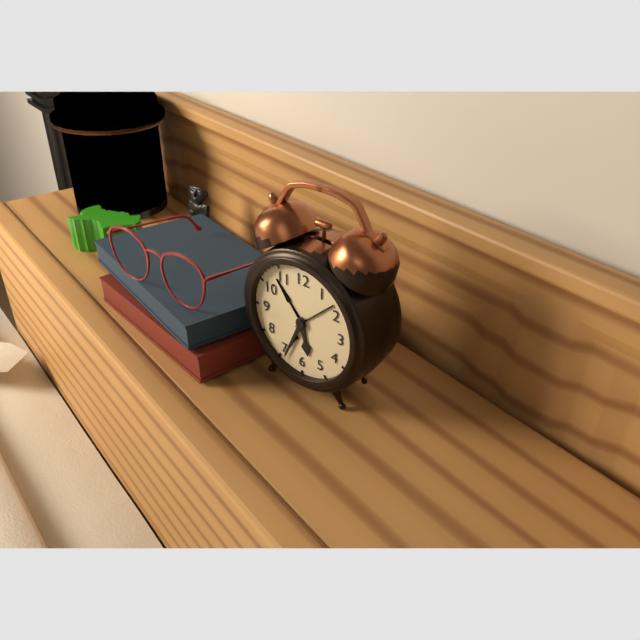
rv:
5.34
